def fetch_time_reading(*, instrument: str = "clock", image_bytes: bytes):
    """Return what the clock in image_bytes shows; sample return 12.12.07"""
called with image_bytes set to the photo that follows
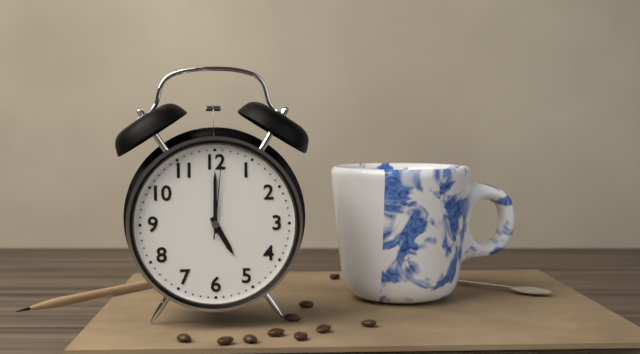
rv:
5.00.01
